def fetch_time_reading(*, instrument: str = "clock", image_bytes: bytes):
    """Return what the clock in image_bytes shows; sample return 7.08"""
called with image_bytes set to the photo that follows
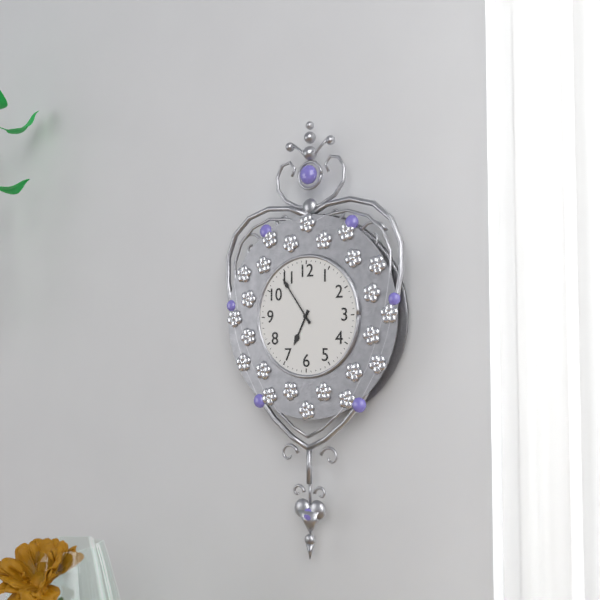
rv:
6.54
